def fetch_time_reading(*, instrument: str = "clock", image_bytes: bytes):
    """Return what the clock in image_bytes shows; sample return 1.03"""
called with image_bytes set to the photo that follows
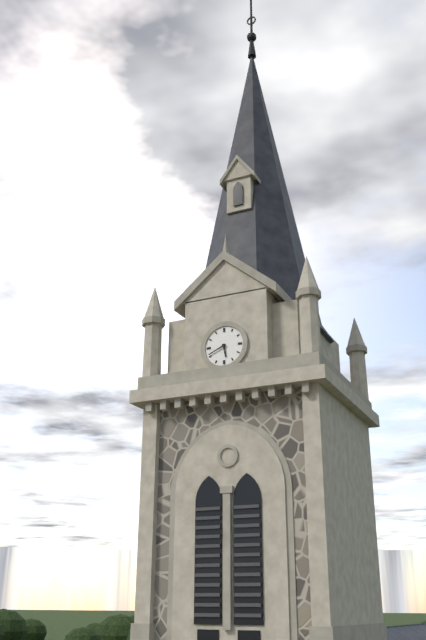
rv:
5.41
